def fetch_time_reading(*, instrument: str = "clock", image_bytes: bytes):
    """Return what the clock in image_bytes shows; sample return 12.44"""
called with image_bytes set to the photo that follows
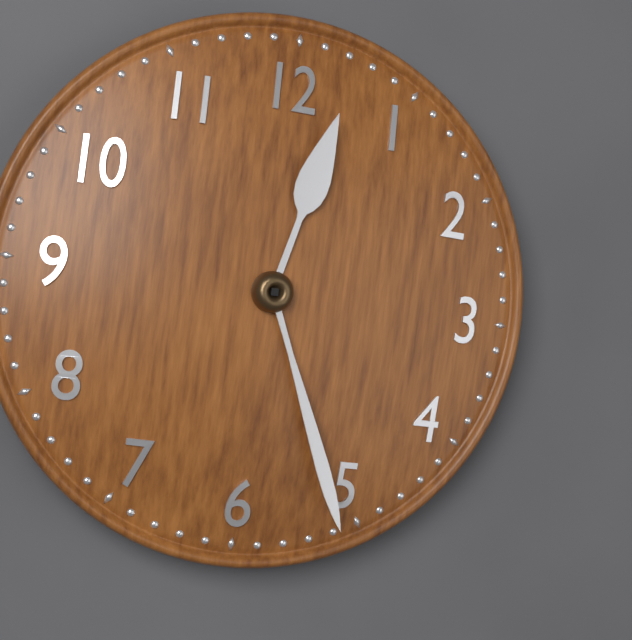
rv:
12.26
